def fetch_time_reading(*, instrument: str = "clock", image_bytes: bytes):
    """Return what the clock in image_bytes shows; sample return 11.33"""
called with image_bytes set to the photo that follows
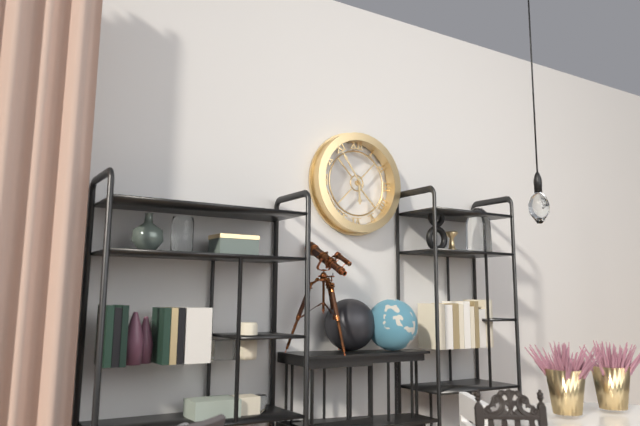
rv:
5.54
